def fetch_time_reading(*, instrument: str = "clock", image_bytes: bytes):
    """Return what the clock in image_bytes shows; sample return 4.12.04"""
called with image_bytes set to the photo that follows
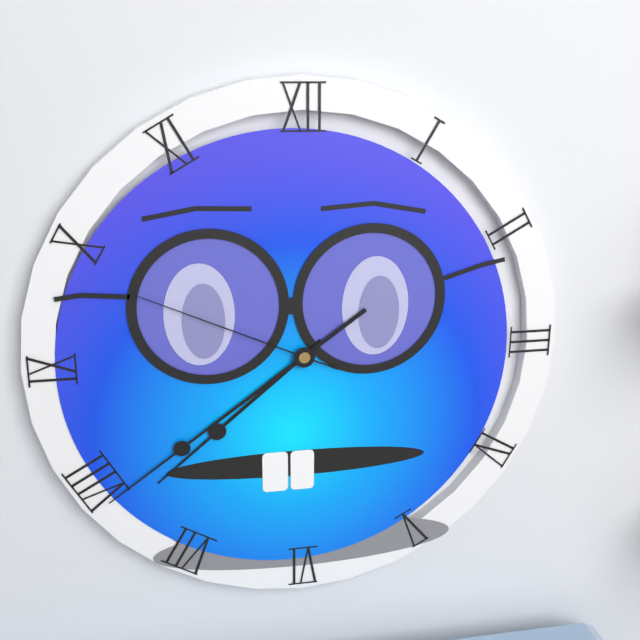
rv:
7.39.49
